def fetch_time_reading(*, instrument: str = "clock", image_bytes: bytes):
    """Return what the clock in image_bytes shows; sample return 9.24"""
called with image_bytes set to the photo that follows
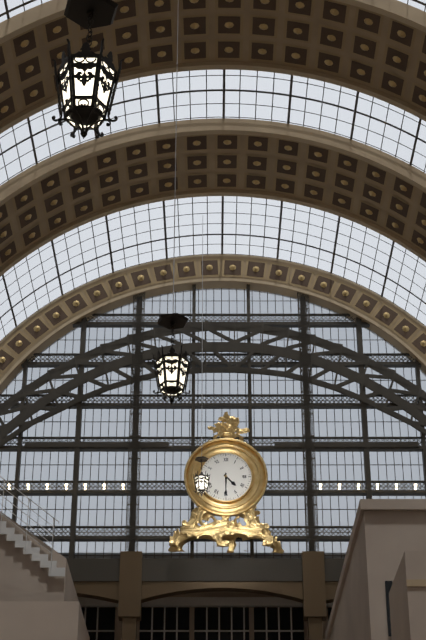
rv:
4.30
